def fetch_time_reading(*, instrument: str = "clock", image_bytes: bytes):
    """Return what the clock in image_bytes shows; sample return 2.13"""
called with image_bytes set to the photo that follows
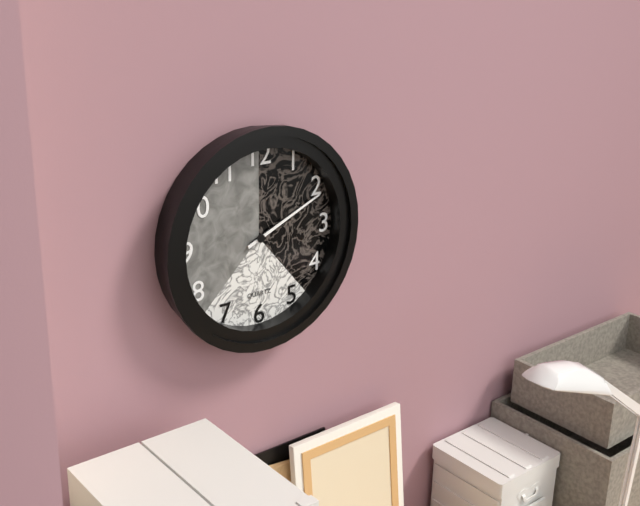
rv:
2.11
